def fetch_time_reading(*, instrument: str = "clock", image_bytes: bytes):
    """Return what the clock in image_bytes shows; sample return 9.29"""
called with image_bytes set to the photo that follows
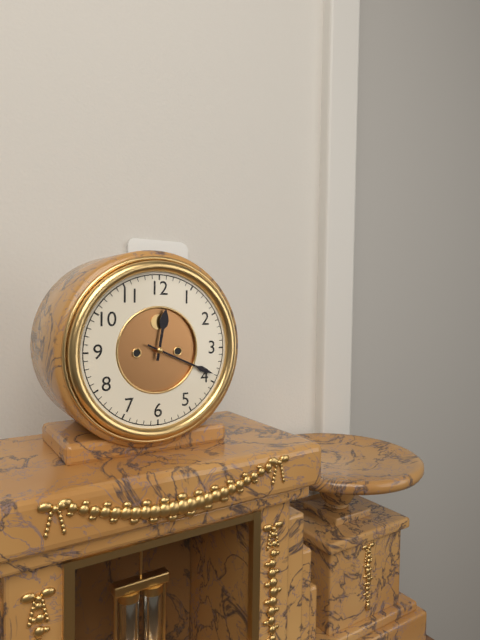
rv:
12.19
